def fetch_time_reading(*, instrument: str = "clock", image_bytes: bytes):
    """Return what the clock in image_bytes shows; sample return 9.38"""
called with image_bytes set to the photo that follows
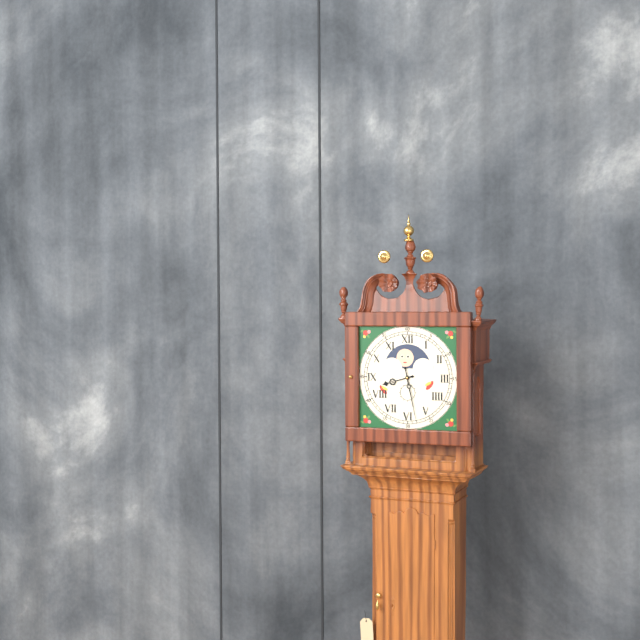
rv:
8.28
